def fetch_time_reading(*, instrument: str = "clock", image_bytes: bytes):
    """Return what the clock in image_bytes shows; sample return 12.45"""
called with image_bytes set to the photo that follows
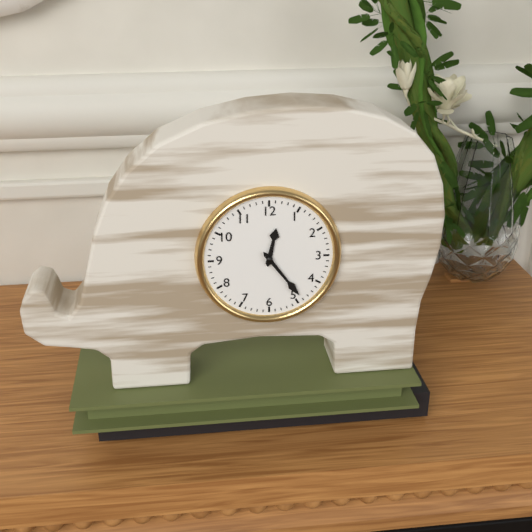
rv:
12.24
